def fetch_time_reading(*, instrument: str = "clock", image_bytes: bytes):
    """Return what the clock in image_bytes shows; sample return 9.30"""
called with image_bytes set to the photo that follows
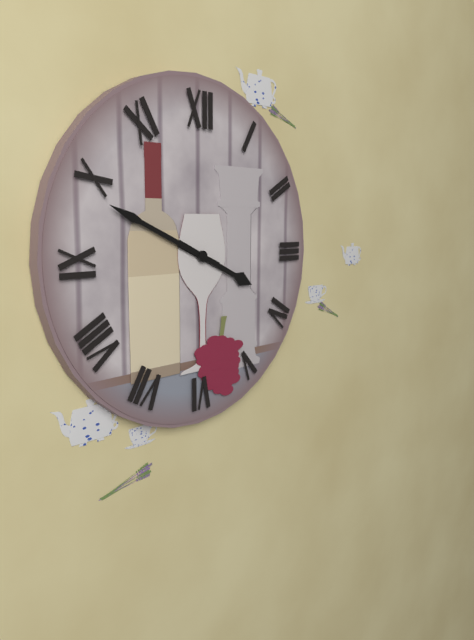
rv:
3.49
